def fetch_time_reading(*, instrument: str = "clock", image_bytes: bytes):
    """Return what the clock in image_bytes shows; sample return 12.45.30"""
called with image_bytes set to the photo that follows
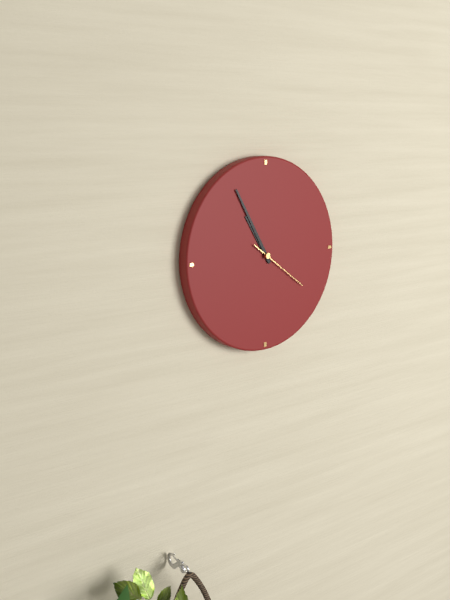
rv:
10.55.21
